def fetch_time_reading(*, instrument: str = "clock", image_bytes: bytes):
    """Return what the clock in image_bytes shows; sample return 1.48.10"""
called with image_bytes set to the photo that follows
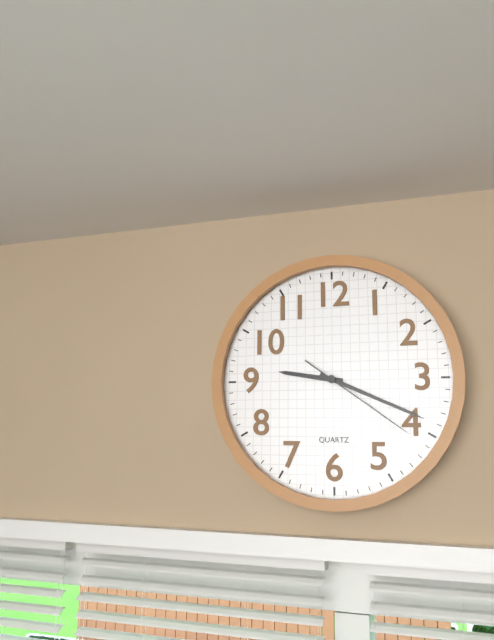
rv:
9.19.21
